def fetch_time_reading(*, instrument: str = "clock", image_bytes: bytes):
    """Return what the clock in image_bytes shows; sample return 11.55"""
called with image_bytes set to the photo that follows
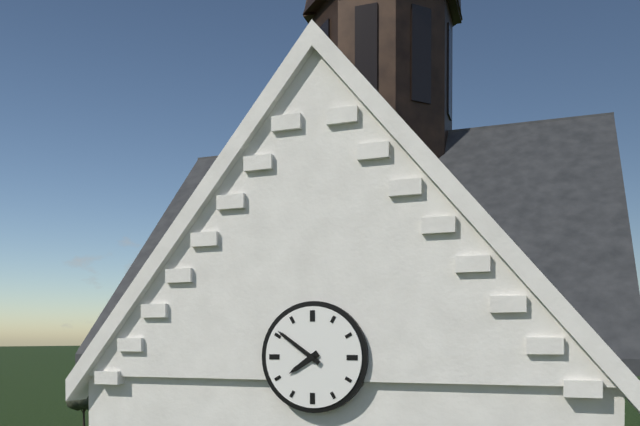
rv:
7.51
